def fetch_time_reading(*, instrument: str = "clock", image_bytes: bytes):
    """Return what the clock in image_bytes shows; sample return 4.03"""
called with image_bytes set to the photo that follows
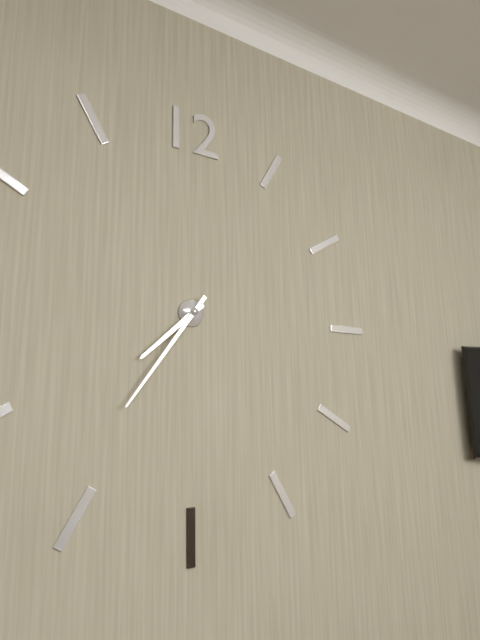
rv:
7.36
